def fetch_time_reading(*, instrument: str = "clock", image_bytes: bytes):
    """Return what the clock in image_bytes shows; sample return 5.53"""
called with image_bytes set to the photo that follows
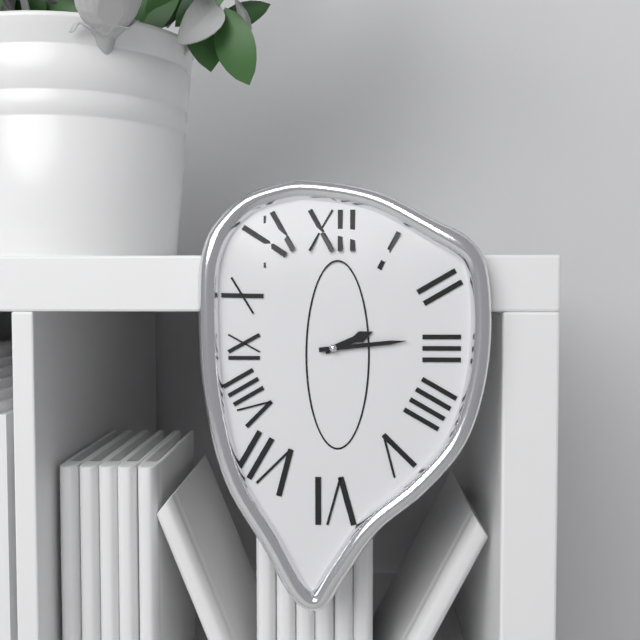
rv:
2.14
